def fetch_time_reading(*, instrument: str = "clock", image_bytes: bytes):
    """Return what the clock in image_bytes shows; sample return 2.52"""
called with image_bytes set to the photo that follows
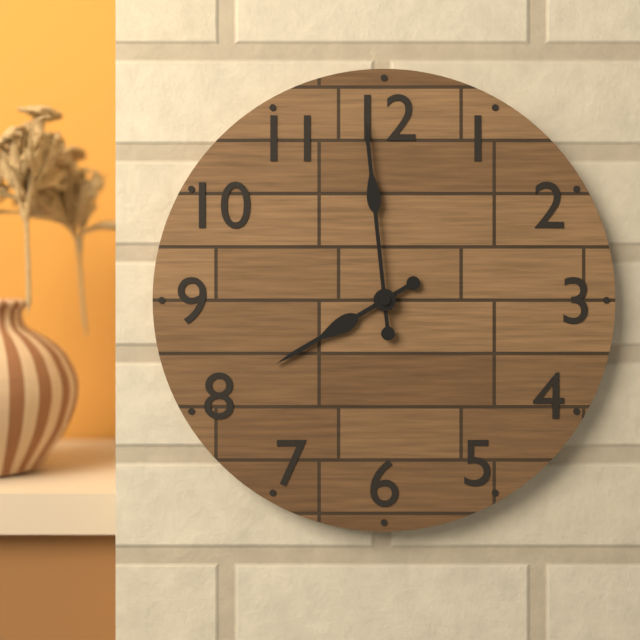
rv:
7.59
